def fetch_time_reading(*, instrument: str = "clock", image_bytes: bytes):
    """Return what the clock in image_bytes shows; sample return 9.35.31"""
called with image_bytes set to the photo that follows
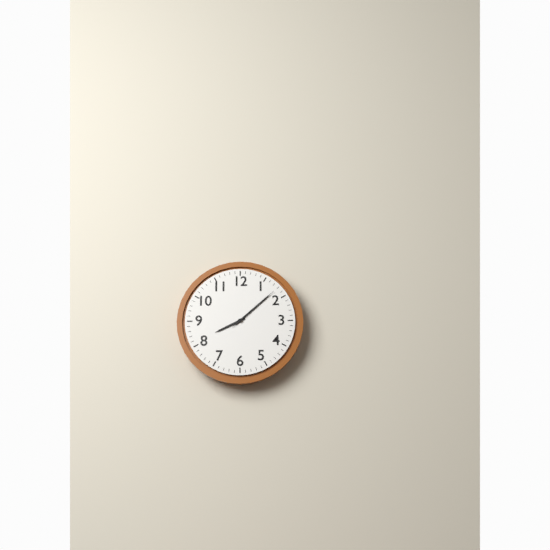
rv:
8.08.08
